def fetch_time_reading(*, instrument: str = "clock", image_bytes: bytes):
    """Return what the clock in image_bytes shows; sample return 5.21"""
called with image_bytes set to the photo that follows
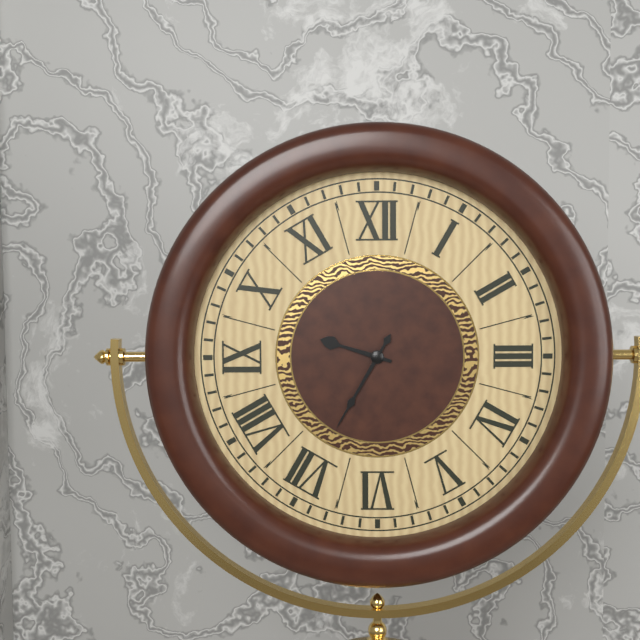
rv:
9.35
